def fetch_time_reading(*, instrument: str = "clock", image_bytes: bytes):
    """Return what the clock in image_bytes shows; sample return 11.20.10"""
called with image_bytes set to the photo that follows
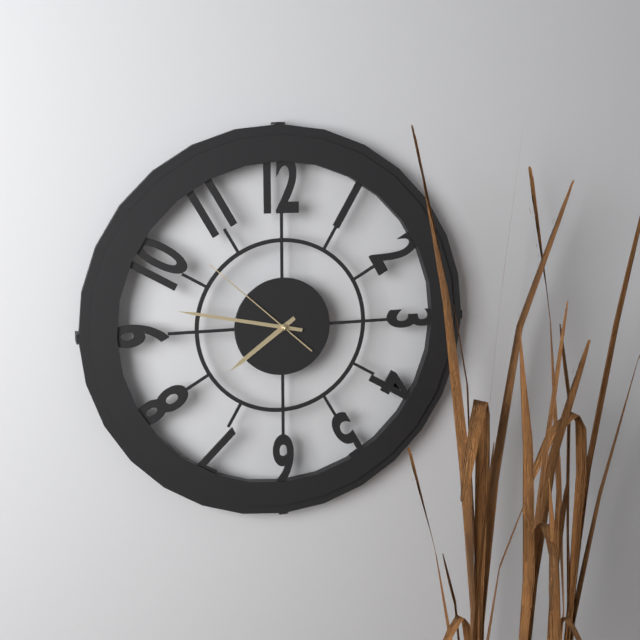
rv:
7.47.52
